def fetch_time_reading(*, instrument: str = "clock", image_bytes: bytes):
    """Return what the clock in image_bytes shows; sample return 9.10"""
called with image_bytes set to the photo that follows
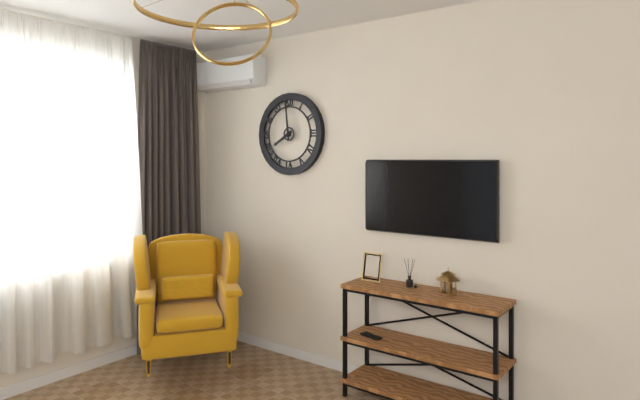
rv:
7.59
